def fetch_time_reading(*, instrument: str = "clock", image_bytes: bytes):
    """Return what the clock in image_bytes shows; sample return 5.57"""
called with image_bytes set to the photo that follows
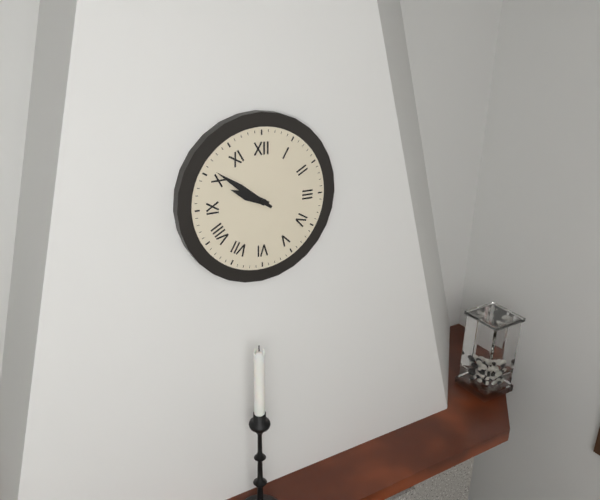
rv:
9.51
